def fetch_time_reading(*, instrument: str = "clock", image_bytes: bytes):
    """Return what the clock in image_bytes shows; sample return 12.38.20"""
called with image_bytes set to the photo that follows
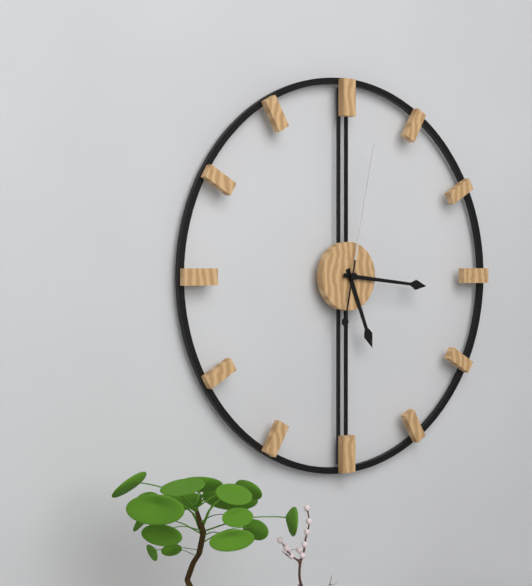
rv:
5.16.02
